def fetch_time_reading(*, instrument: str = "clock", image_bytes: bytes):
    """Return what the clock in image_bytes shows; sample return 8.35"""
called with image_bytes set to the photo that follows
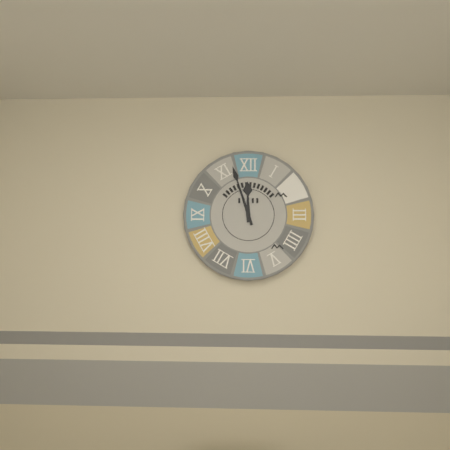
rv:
11.57
